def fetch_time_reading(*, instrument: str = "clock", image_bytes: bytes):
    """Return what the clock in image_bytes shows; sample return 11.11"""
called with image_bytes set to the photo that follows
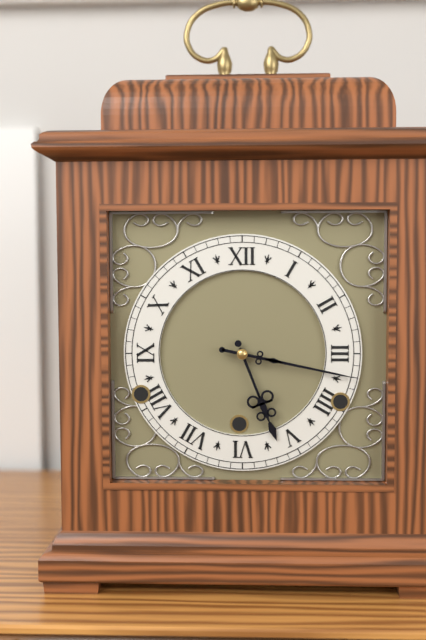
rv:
5.17
